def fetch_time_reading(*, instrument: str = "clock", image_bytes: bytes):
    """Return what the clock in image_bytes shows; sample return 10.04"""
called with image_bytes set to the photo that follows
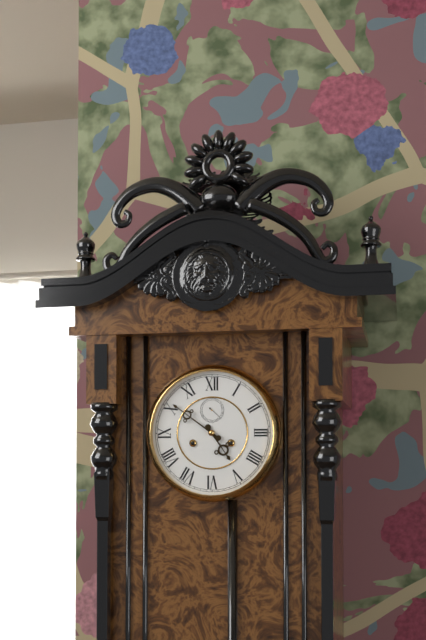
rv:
4.51
